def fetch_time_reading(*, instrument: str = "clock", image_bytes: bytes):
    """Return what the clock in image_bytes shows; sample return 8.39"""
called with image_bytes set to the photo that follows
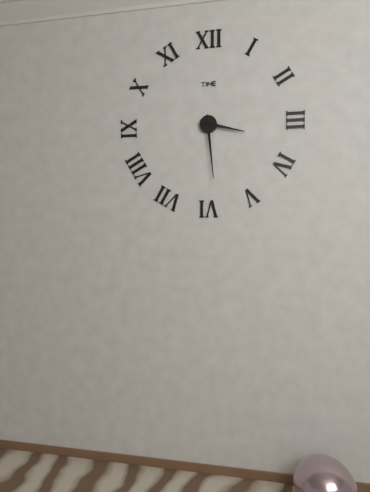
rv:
3.29
